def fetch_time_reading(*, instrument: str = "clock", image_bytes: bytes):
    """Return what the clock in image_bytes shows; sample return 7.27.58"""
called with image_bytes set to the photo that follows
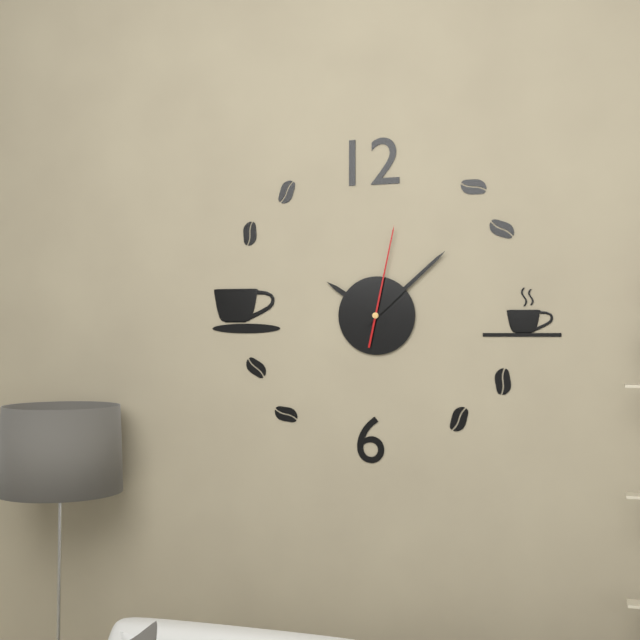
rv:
10.08.02
